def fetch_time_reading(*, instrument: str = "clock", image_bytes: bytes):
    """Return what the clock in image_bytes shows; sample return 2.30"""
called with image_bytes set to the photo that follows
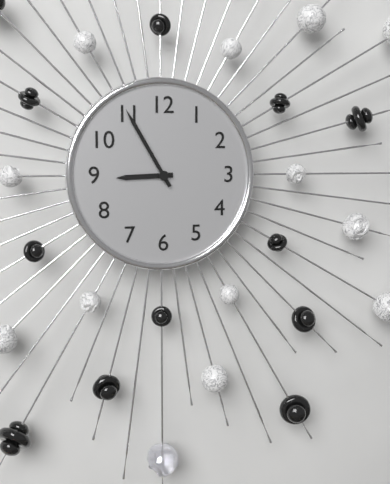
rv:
8.55
